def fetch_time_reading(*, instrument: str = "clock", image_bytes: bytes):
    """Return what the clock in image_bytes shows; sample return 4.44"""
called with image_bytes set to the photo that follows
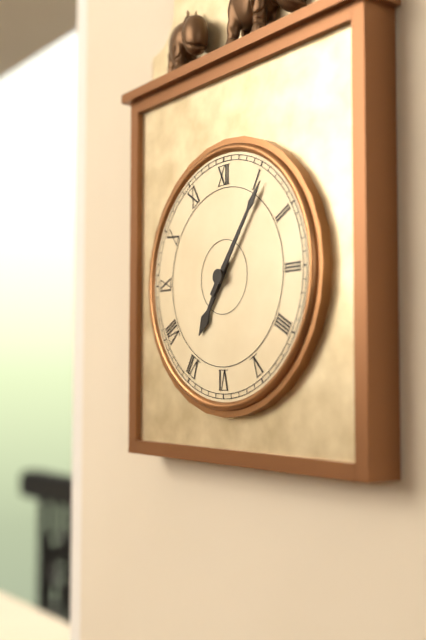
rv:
7.06
